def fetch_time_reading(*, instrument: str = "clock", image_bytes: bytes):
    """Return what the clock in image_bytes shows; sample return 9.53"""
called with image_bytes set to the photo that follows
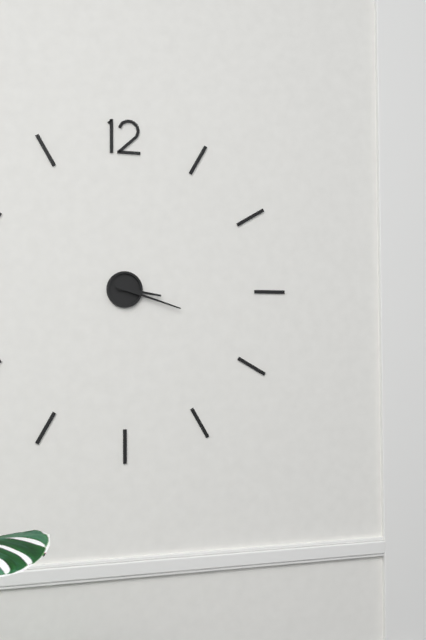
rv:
3.18
